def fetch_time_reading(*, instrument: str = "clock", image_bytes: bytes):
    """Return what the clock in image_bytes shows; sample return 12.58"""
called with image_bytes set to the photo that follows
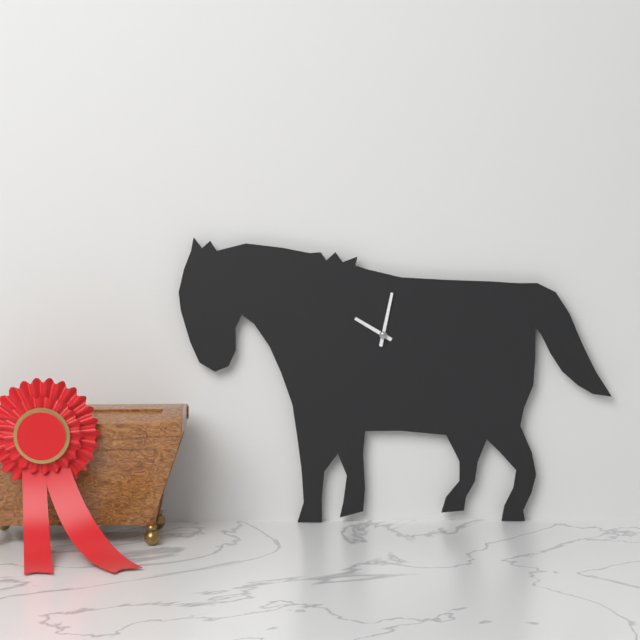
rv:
10.02
